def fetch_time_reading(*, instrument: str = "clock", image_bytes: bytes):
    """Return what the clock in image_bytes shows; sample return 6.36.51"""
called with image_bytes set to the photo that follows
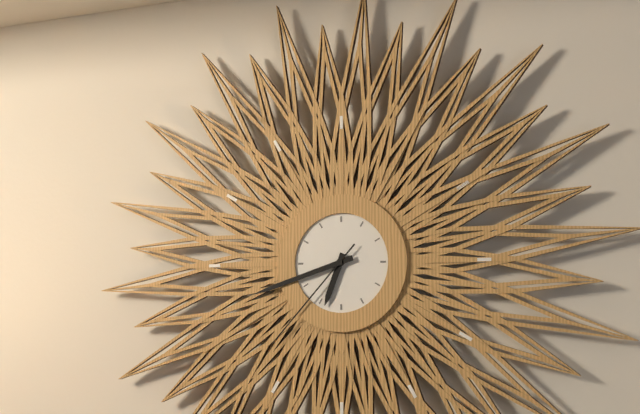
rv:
6.42.37
